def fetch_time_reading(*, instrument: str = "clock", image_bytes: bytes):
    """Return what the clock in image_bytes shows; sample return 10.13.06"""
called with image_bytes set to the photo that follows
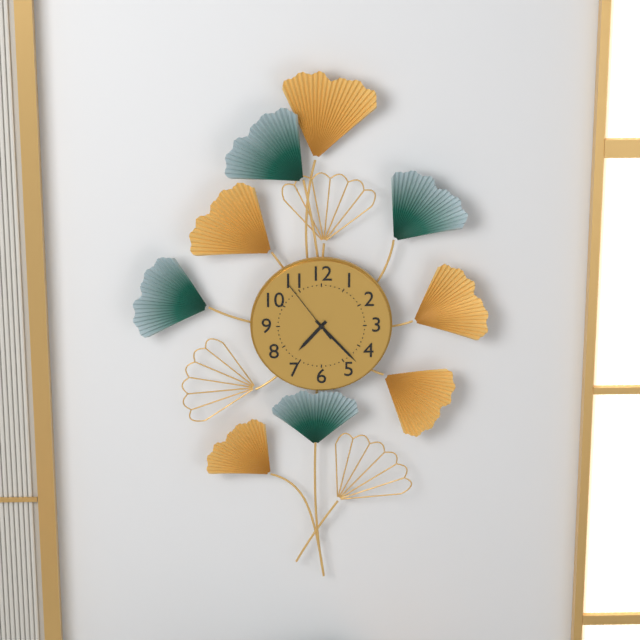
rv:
7.23.54
